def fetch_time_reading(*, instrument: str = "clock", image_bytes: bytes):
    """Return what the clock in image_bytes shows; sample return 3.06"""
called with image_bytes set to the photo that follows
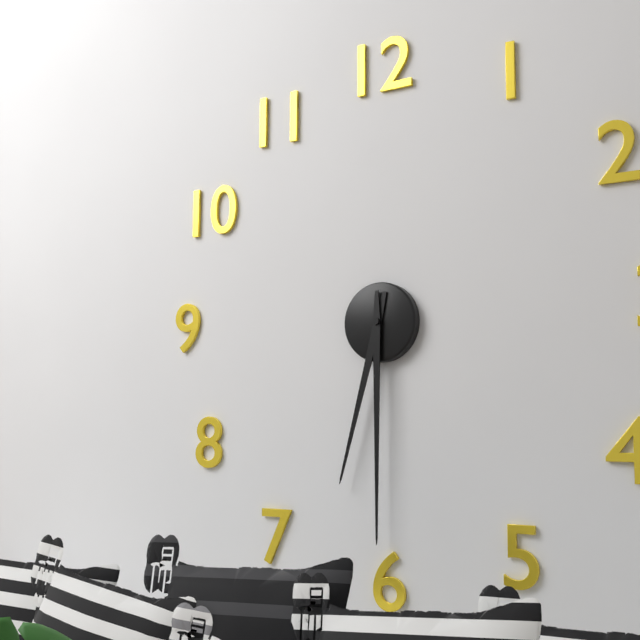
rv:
6.30
